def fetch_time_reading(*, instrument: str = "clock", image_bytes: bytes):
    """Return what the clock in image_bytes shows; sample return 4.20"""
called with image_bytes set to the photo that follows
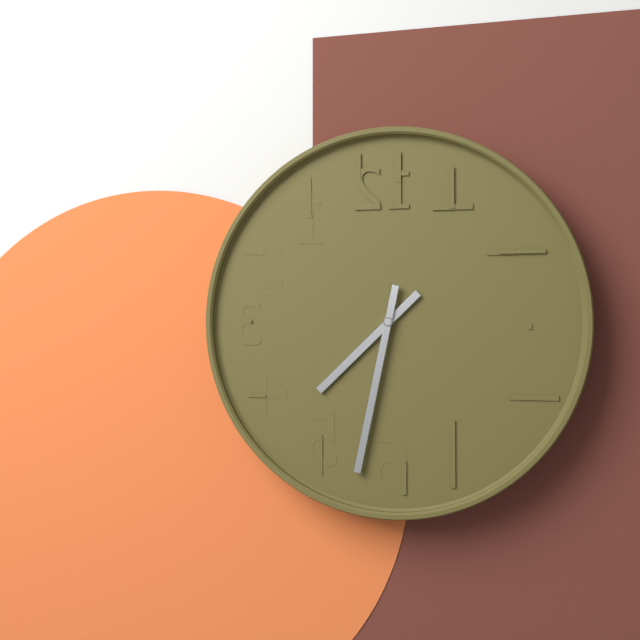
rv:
7.32
